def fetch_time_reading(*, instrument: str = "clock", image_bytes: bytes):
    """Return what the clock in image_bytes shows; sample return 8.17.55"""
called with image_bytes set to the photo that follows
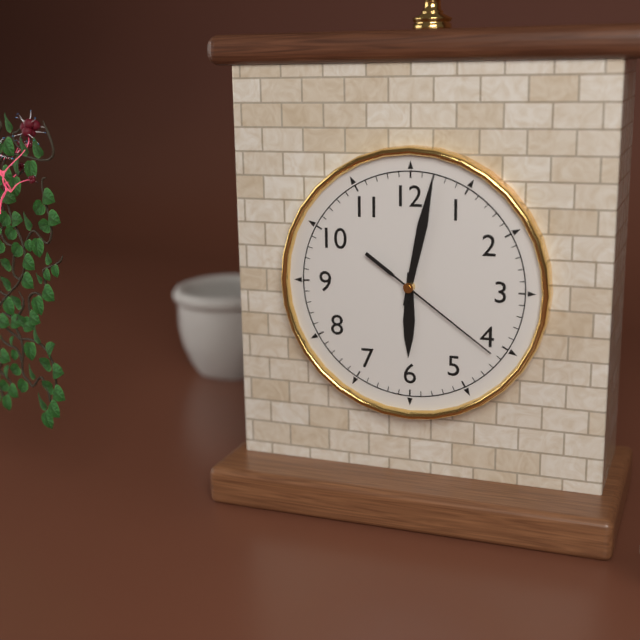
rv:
6.02.21
